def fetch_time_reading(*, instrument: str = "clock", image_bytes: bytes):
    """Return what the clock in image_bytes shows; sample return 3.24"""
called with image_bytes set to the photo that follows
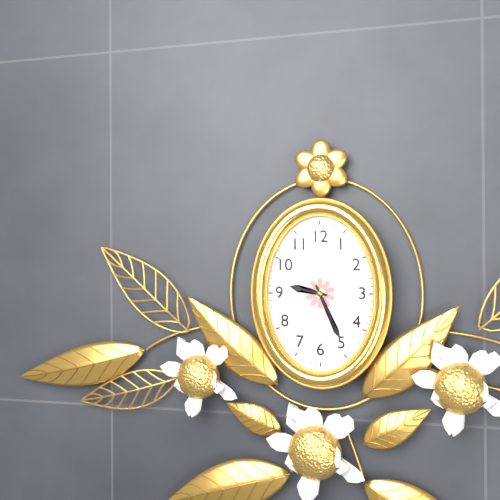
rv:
9.26
